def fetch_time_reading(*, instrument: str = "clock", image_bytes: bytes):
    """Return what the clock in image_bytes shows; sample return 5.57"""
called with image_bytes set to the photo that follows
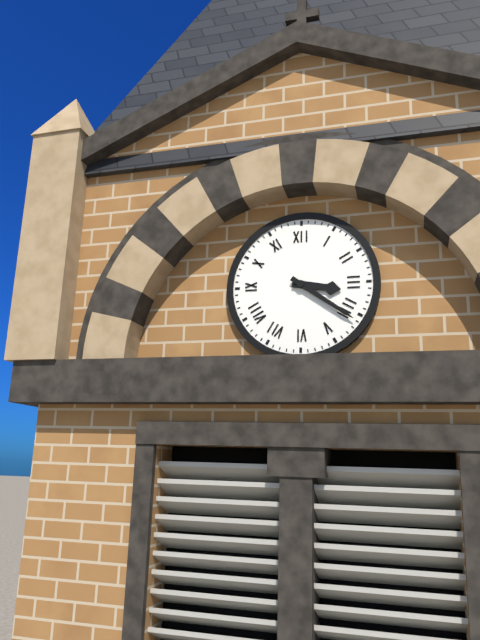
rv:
3.21
